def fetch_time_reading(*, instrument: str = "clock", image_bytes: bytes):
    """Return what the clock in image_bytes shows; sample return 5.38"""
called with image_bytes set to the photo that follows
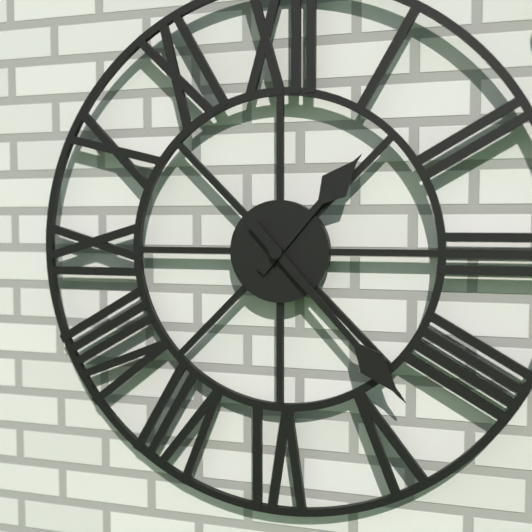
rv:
1.23
